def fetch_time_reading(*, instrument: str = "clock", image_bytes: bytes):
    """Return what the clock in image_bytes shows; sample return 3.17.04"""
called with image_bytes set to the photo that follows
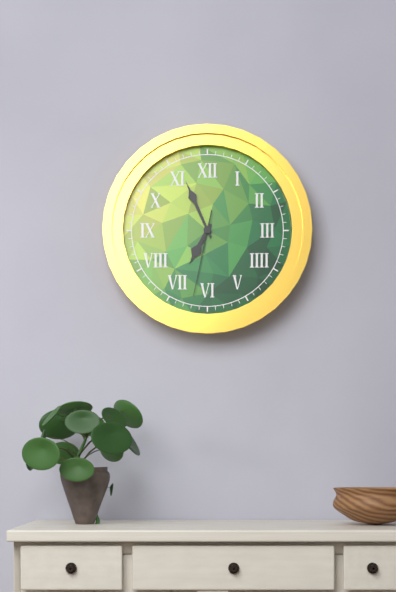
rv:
6.56.32
